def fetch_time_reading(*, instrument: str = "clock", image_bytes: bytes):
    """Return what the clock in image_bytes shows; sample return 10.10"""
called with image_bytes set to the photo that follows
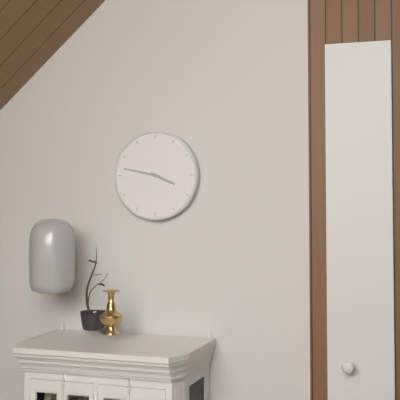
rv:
3.47
